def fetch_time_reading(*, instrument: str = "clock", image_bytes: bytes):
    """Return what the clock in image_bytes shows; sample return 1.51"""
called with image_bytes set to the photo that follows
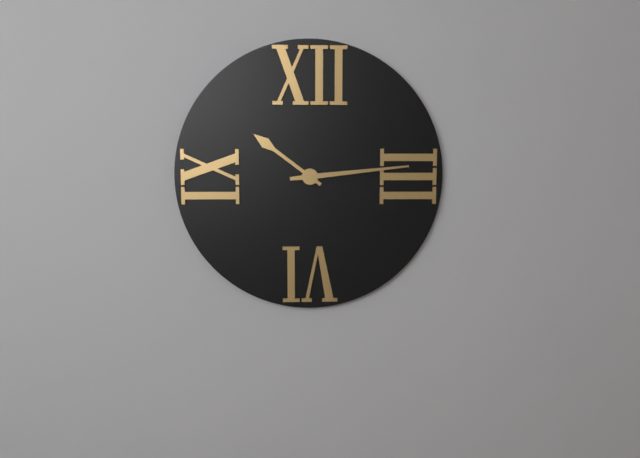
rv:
10.14
